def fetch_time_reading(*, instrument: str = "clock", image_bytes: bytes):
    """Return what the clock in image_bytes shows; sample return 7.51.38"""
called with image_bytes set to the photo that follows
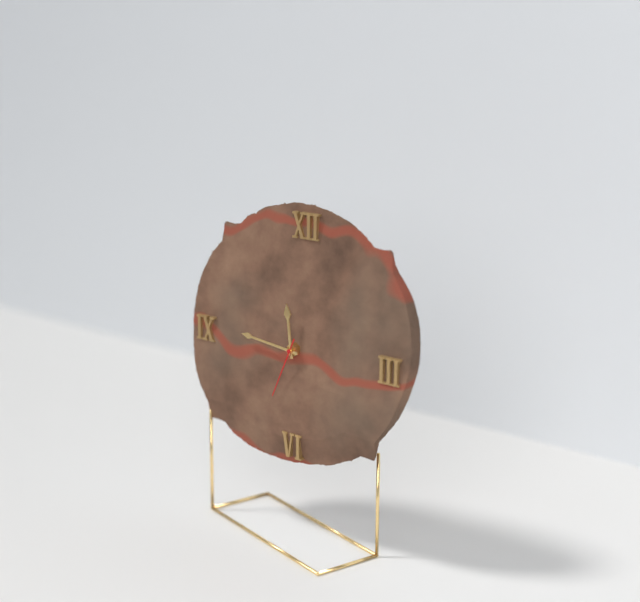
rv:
11.46.34
